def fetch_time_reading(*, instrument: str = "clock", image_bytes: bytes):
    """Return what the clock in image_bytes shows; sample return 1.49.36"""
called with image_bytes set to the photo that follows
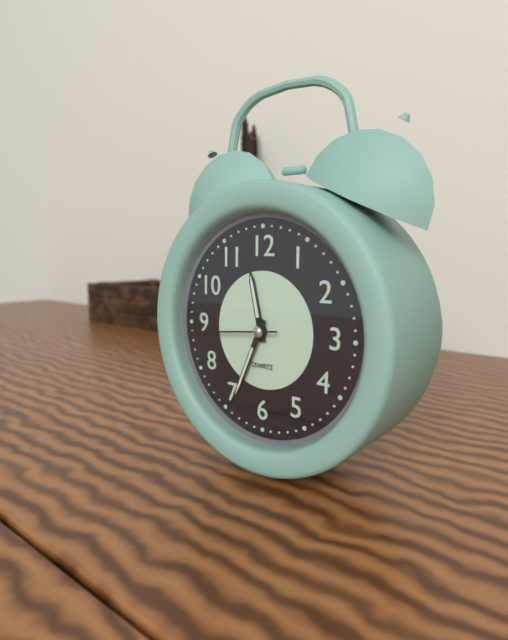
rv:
11.34.44
